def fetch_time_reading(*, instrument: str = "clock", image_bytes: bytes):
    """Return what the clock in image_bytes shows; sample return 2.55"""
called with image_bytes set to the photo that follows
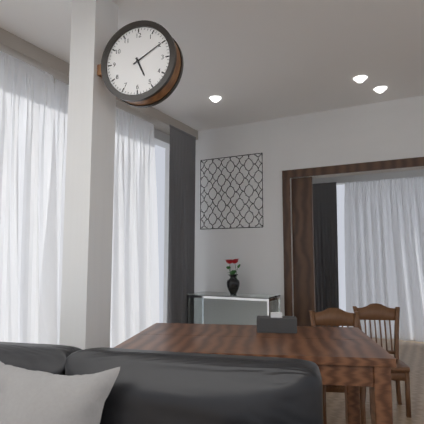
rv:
5.10
